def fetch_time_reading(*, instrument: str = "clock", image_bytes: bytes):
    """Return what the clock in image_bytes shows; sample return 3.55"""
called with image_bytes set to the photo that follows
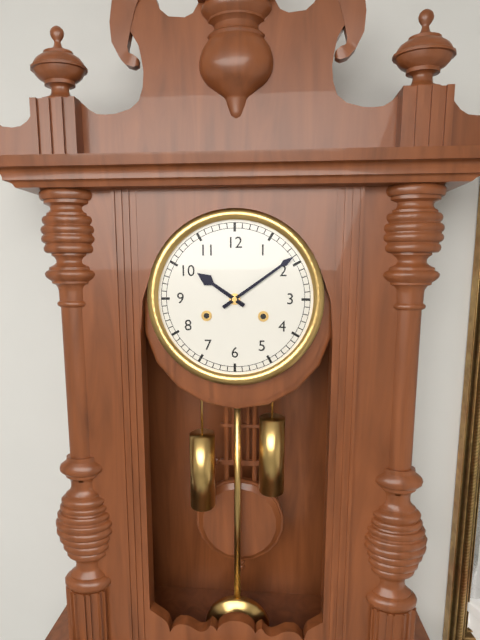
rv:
10.09
